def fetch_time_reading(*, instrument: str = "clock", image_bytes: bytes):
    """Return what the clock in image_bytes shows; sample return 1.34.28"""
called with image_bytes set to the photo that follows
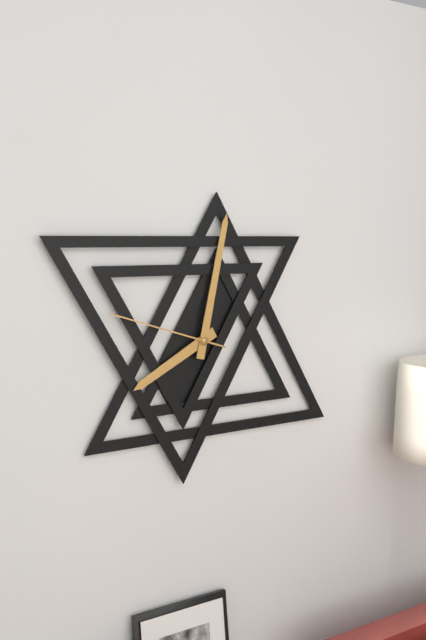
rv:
8.02.48
